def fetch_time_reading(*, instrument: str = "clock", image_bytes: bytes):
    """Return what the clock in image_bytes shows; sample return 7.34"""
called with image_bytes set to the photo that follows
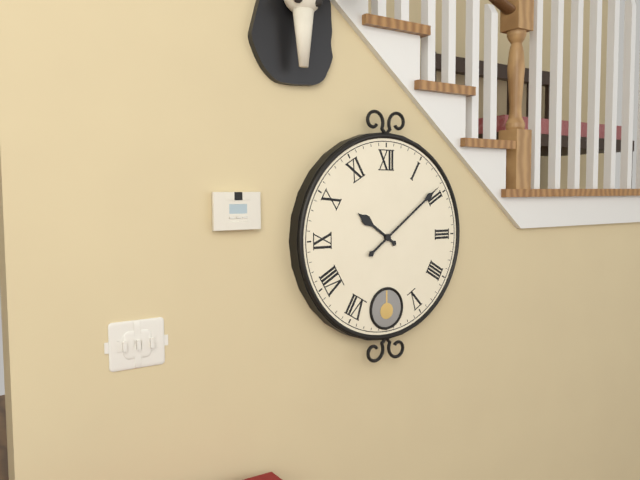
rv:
10.09
